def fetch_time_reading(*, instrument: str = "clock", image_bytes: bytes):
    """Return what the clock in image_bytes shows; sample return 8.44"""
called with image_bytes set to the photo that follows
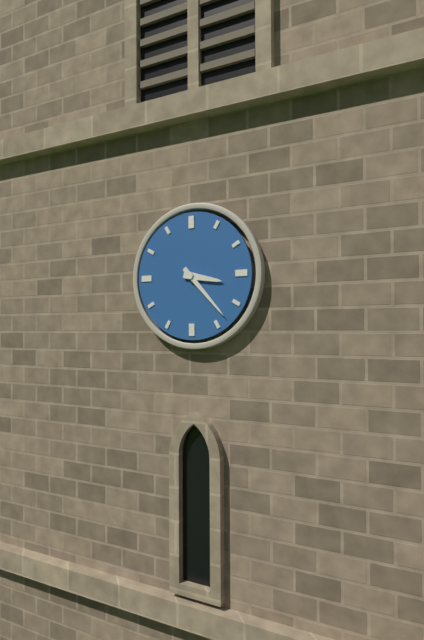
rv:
3.23
